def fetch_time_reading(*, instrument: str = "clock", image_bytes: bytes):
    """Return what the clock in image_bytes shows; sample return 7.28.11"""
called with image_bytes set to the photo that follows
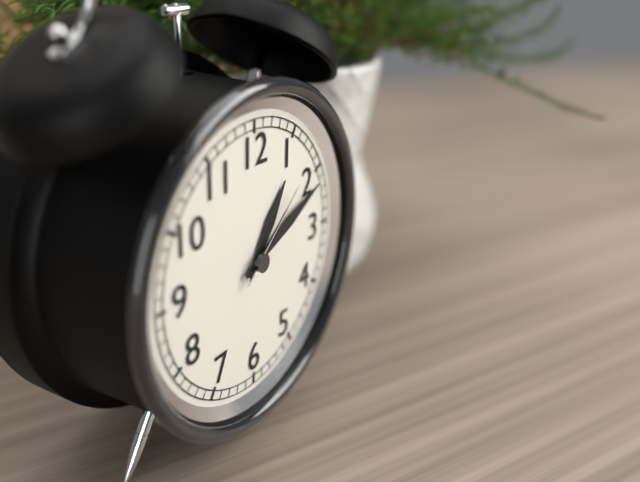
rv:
1.11.08
